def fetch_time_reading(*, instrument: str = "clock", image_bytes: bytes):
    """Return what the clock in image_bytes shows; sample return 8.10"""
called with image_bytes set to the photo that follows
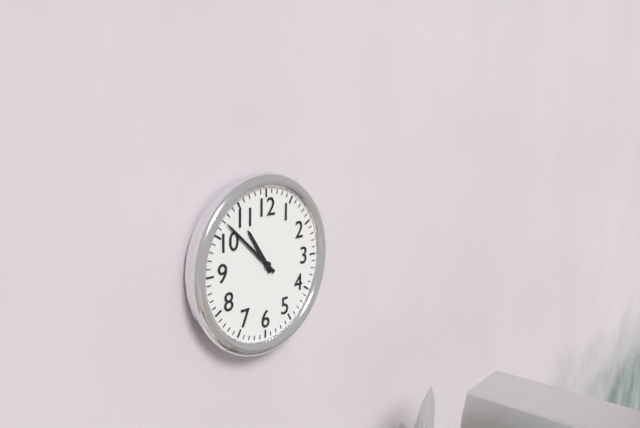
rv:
10.52
